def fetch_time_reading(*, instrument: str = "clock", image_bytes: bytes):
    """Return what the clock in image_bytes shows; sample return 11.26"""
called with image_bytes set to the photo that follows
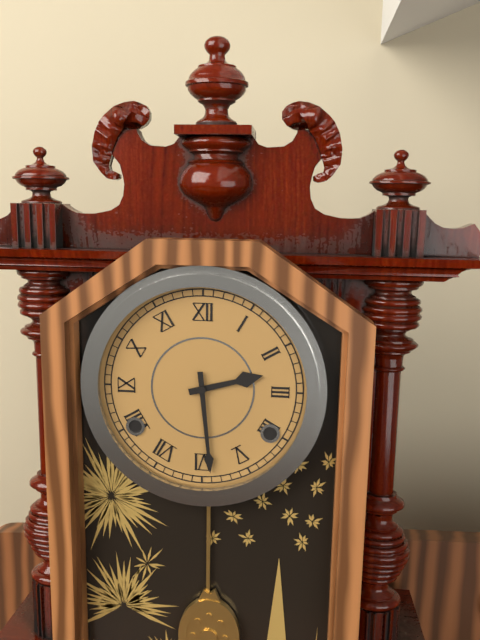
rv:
2.29
